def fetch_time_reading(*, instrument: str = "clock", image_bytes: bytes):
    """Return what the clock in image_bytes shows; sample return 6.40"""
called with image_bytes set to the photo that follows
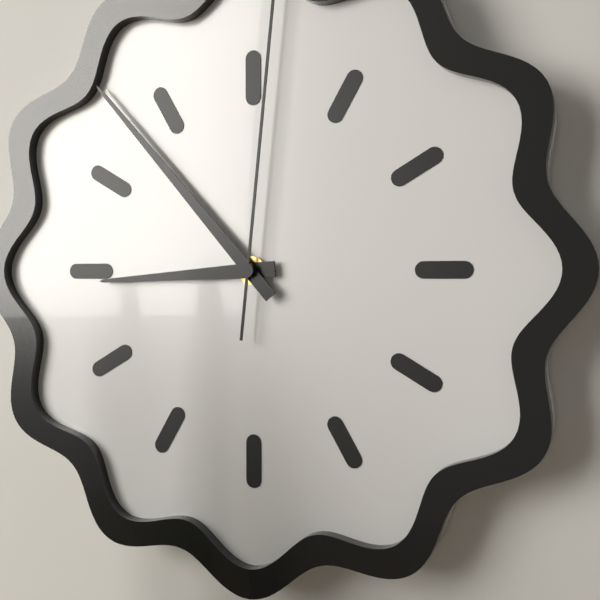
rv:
8.53
